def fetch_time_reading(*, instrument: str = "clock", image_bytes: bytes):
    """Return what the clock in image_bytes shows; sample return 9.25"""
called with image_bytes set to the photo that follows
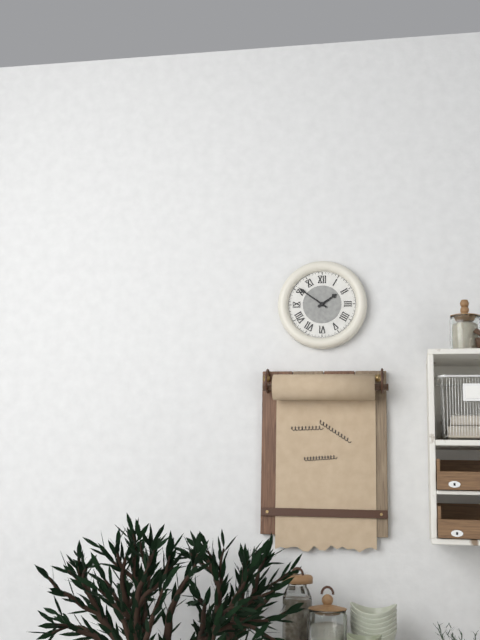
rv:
1.51
